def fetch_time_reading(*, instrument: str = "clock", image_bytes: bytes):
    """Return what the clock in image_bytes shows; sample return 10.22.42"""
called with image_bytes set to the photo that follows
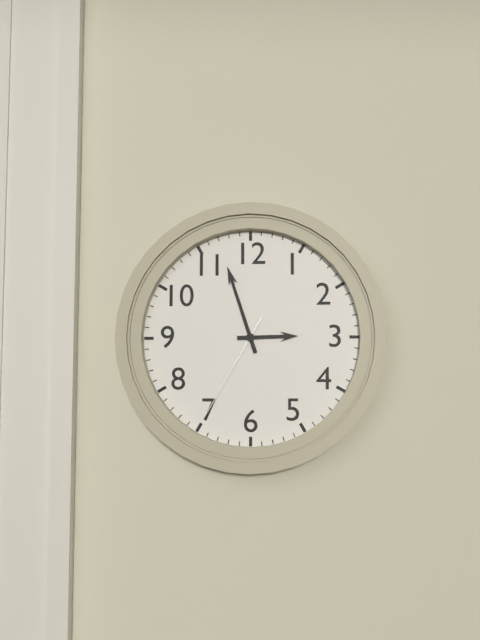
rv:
2.57.35
